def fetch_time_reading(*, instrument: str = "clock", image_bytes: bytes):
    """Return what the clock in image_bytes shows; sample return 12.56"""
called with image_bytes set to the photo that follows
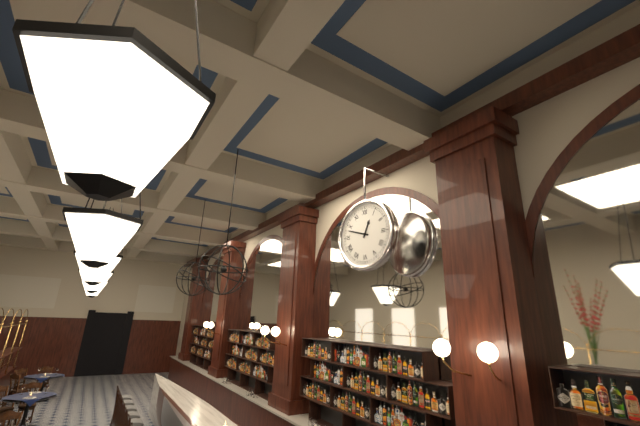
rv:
12.48
